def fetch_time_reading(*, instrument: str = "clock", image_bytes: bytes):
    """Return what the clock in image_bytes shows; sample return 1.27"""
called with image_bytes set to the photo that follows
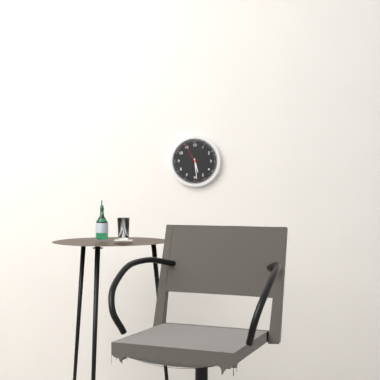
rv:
5.29
